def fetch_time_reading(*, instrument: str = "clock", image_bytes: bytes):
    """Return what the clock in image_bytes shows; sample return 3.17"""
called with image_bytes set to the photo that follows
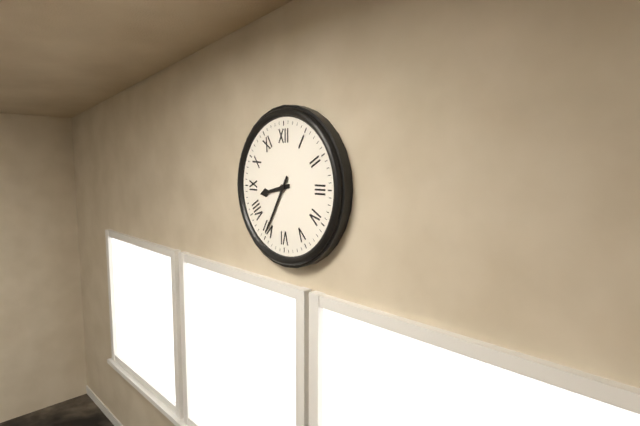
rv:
8.35
